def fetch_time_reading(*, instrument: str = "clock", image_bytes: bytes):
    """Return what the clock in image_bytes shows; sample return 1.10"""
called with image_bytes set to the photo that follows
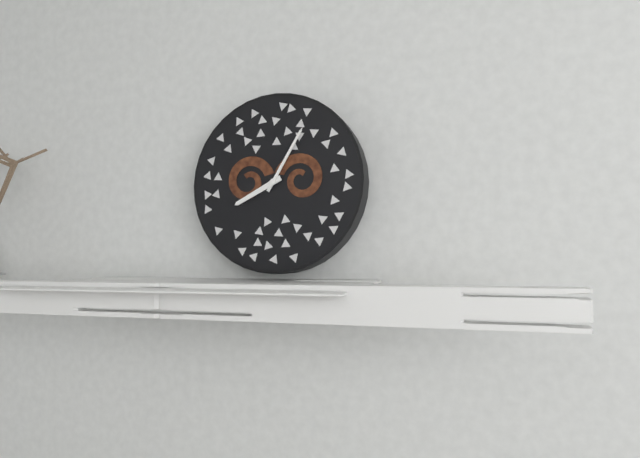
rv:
8.05
